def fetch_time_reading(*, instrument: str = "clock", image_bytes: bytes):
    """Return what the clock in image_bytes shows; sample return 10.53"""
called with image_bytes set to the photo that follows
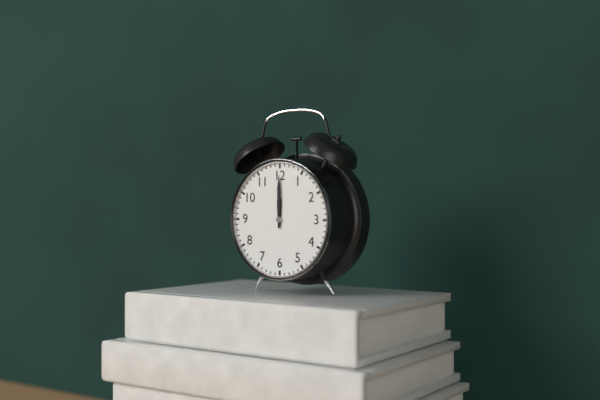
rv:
12.00
